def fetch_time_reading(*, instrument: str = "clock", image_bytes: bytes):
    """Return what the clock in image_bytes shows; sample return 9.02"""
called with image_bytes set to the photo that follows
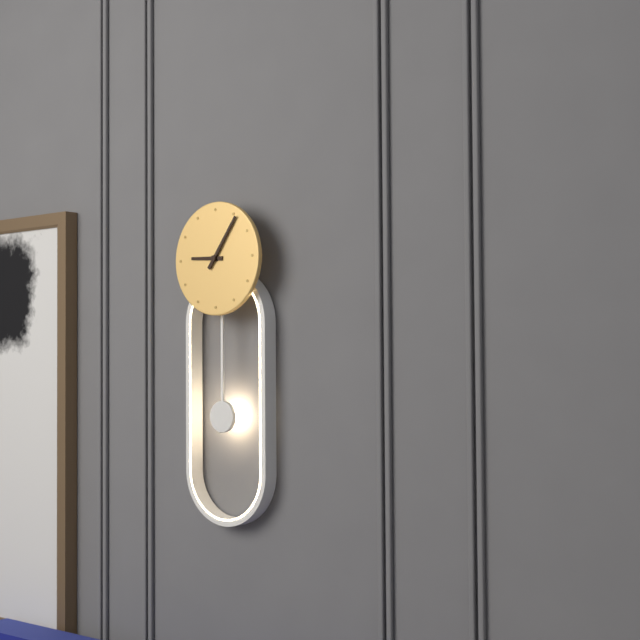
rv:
9.06
